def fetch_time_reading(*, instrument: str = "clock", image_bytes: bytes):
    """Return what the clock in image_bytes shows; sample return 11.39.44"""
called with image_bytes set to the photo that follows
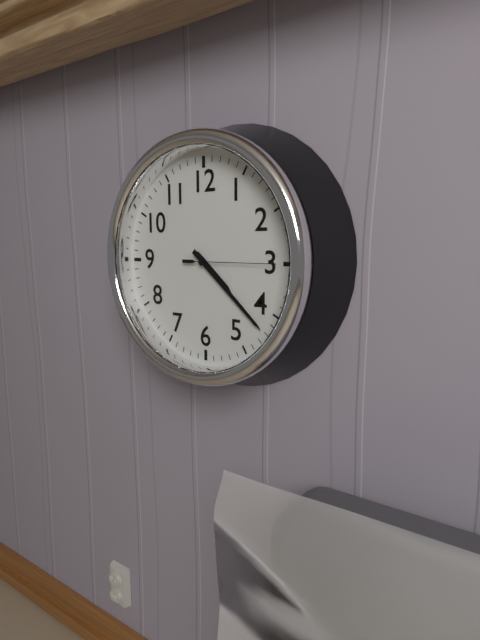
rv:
4.22.15
